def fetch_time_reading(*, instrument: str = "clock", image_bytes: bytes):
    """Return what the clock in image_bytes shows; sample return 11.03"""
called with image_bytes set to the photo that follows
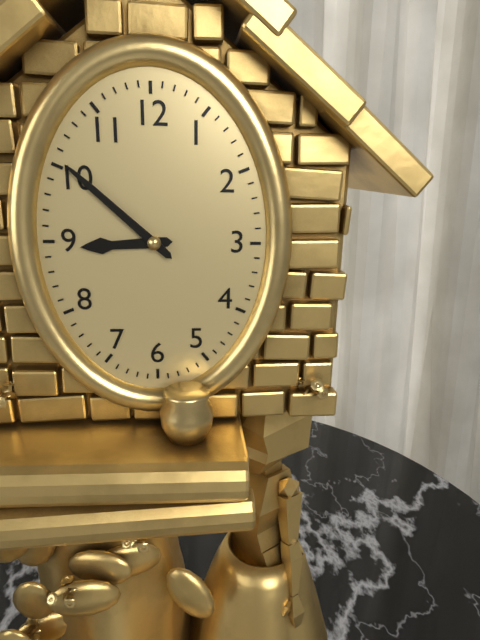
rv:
8.52
